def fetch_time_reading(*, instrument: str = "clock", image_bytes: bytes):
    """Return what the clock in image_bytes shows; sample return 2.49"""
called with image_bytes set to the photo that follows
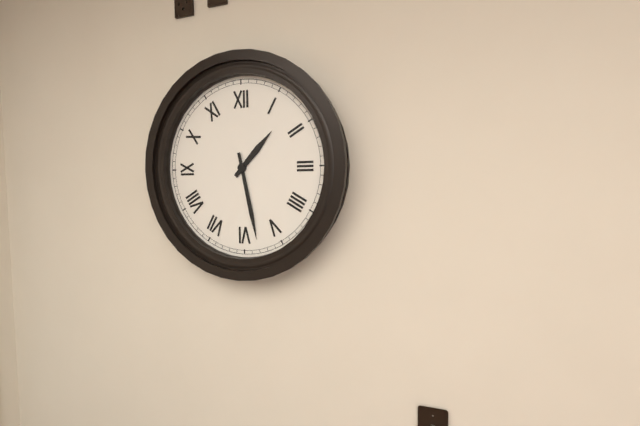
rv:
1.28
